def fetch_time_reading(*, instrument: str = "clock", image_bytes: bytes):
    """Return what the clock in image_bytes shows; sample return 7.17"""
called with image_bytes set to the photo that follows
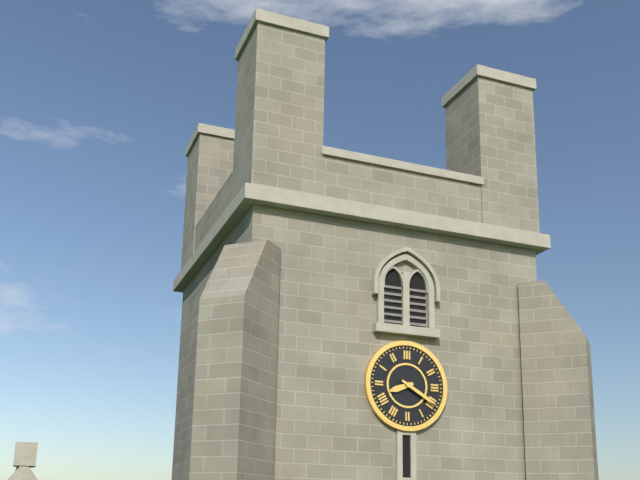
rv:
8.20
